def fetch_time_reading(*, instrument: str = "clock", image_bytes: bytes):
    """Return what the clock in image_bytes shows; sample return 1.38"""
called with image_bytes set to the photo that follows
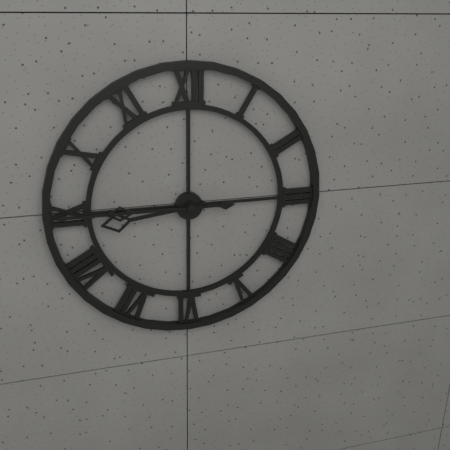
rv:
8.45
